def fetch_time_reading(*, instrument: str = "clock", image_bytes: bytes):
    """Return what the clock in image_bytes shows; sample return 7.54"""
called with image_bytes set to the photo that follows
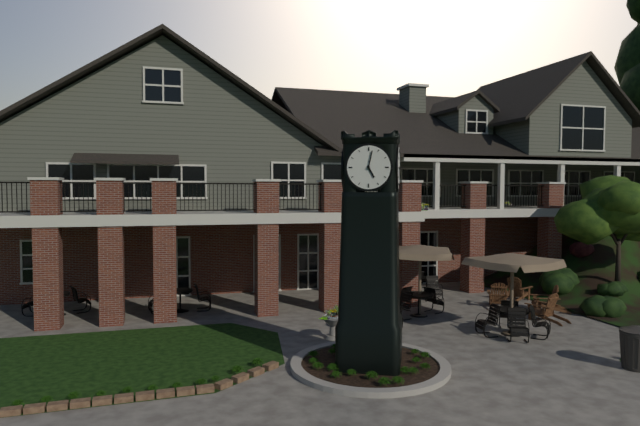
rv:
5.02
